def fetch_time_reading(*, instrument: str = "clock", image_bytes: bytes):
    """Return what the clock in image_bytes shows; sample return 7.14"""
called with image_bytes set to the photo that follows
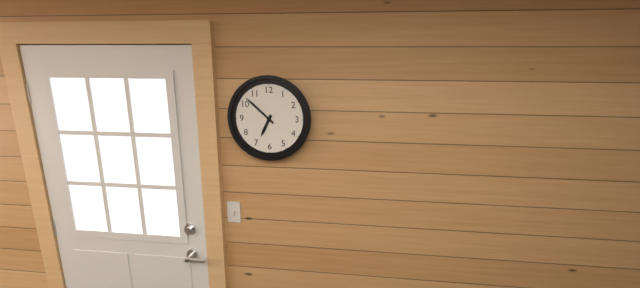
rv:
6.52
